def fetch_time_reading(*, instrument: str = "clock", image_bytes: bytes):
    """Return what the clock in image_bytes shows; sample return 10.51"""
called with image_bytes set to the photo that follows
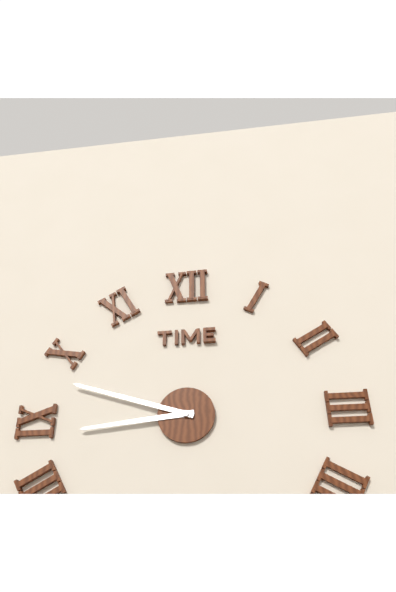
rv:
8.48
